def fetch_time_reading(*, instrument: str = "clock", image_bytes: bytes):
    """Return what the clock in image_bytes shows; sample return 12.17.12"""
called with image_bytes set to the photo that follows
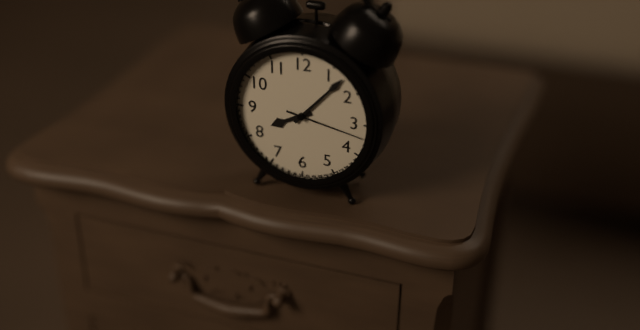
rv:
8.07.17
